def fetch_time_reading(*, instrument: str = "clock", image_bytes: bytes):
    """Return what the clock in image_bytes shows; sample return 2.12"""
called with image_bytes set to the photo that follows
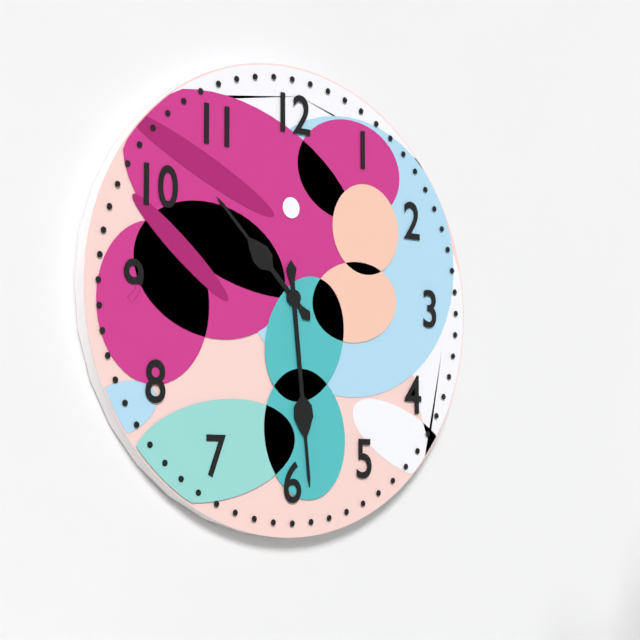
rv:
10.29
